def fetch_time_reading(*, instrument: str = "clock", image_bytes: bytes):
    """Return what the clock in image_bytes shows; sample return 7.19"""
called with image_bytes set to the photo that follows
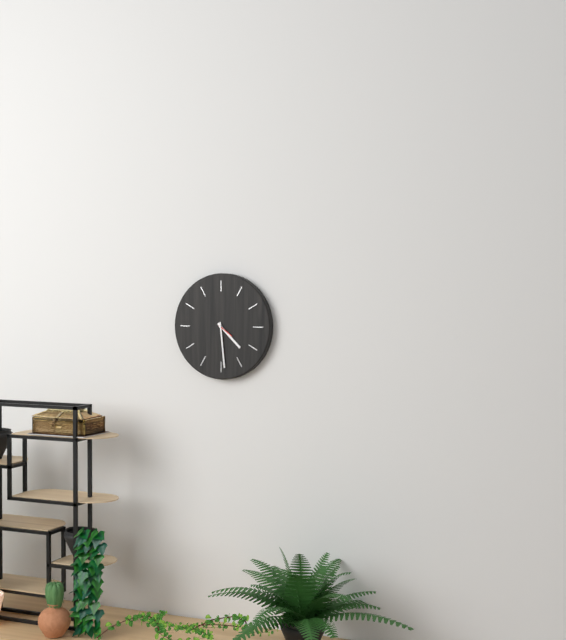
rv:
4.29
